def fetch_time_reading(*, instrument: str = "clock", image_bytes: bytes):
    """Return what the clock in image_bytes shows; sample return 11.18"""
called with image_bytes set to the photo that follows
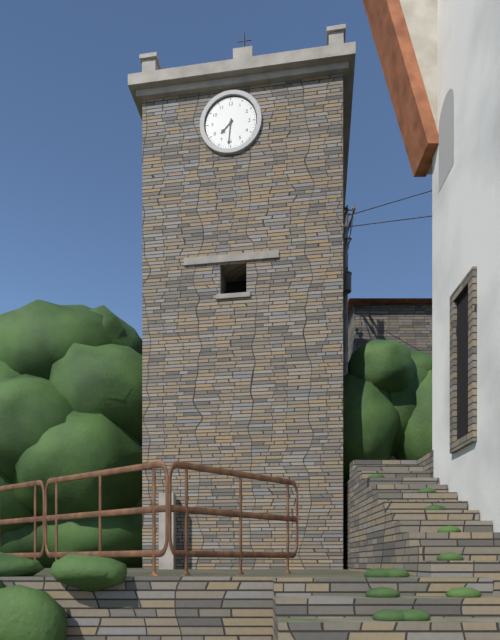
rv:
7.31
